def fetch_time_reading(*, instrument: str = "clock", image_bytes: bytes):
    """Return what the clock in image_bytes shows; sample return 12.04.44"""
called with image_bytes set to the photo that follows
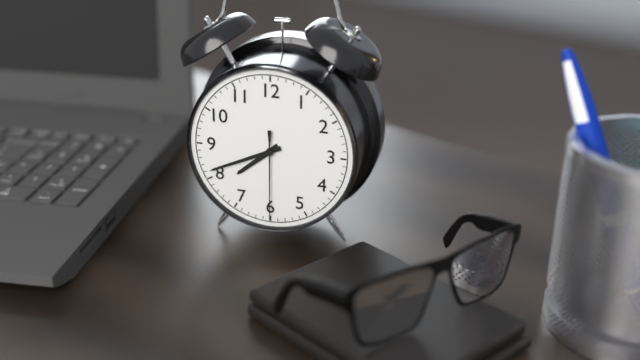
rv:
7.41.30
